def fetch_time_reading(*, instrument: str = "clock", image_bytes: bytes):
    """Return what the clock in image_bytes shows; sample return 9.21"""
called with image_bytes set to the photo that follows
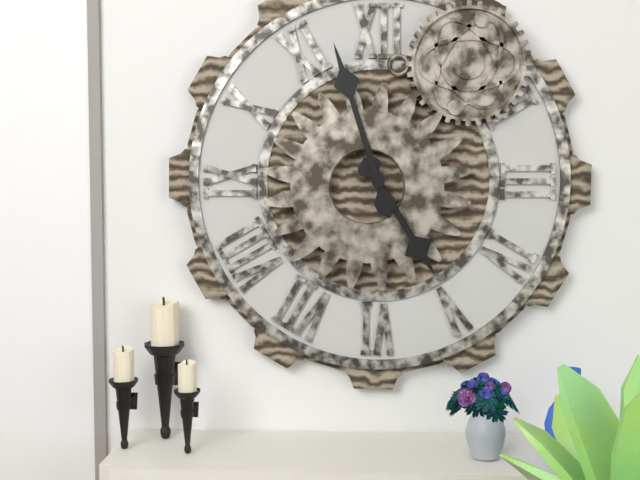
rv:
4.57
